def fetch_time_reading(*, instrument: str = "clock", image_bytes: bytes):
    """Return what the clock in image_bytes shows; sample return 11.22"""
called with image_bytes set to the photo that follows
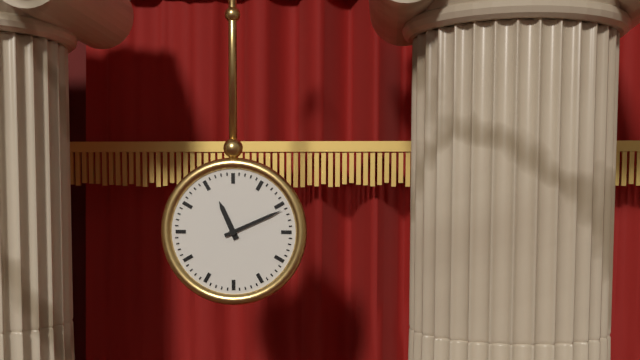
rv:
11.11
